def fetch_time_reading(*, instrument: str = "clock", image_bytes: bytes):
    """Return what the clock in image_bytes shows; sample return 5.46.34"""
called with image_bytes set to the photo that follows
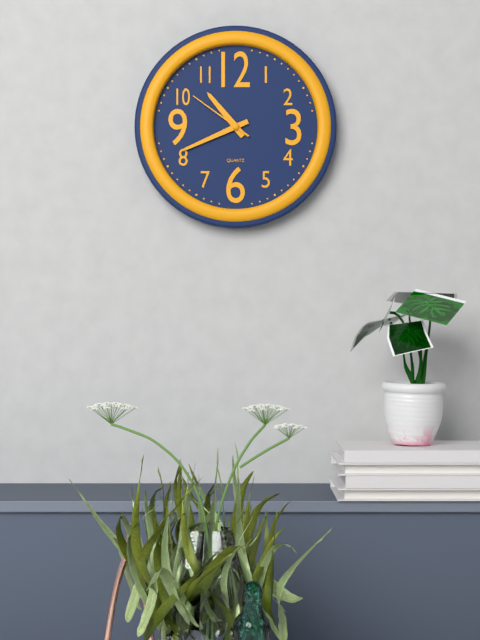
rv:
10.41.51
